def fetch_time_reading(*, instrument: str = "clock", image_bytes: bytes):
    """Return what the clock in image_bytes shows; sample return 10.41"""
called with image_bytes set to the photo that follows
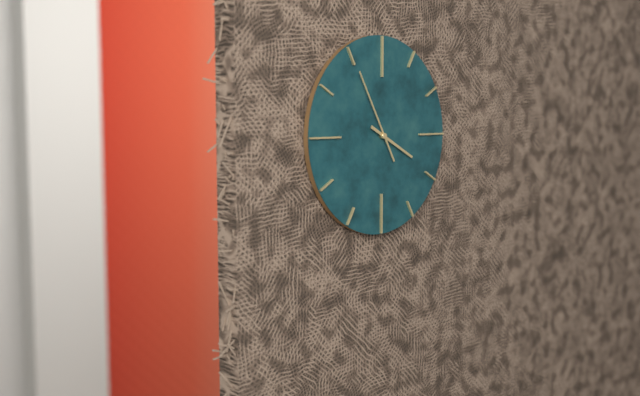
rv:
3.55
